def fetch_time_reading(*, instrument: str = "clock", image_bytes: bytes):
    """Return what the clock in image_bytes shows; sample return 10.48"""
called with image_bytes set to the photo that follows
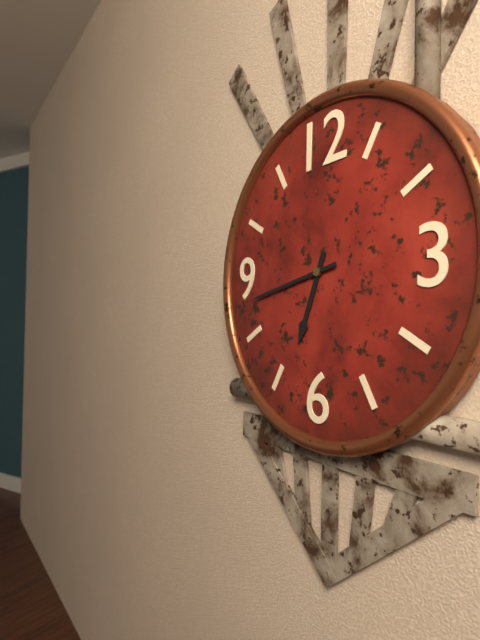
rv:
6.43
